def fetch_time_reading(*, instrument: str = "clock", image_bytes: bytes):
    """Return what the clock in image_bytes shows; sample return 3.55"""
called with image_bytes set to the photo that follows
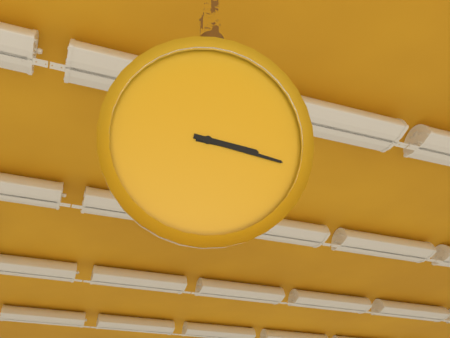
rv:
3.17
